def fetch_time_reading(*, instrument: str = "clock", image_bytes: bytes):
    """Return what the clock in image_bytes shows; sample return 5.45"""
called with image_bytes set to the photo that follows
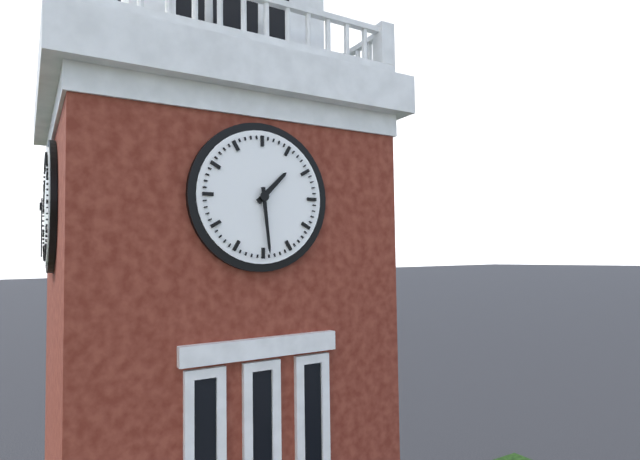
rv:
1.29
